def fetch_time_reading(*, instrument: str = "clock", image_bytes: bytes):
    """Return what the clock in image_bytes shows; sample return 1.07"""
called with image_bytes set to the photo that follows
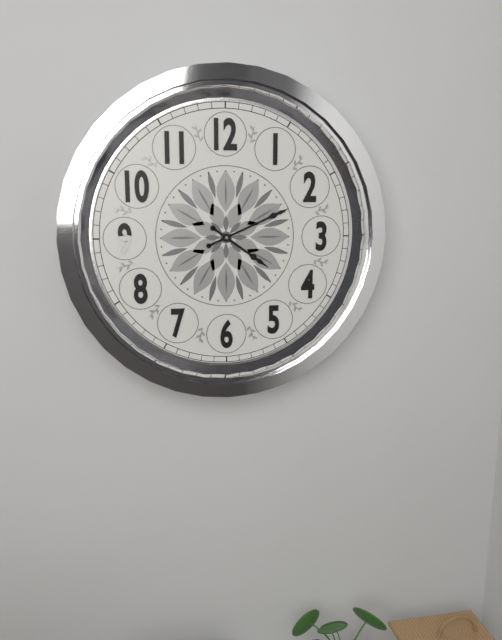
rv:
4.11
